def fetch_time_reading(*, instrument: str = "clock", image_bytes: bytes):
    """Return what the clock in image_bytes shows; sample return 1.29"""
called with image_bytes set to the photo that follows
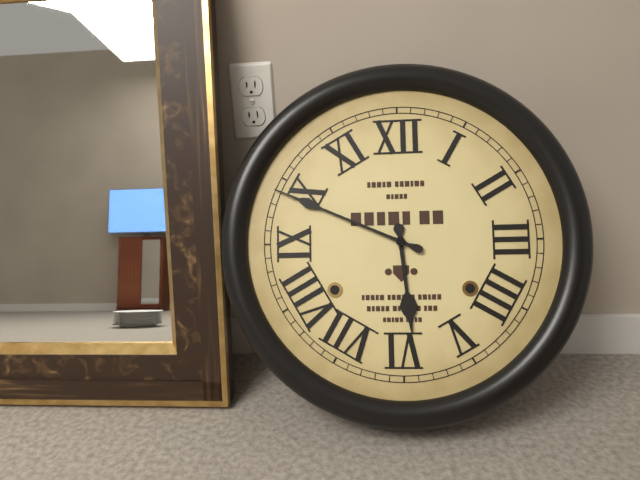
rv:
5.49
